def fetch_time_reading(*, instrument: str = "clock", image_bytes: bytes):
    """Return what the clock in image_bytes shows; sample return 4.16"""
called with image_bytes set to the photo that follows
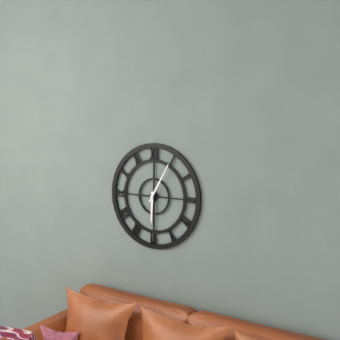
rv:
6.05
